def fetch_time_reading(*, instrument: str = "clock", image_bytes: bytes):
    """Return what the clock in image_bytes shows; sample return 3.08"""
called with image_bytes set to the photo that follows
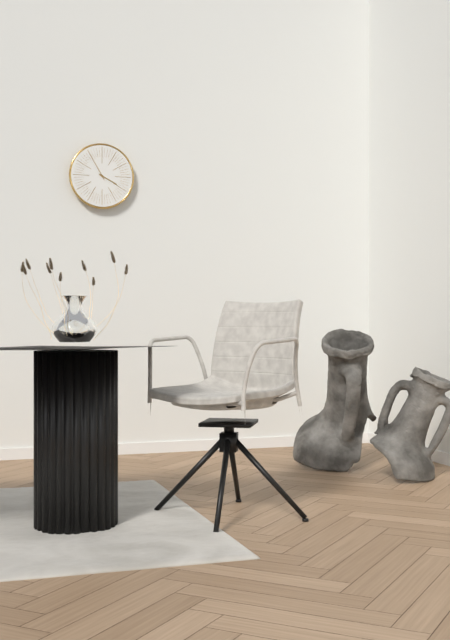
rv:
3.55
